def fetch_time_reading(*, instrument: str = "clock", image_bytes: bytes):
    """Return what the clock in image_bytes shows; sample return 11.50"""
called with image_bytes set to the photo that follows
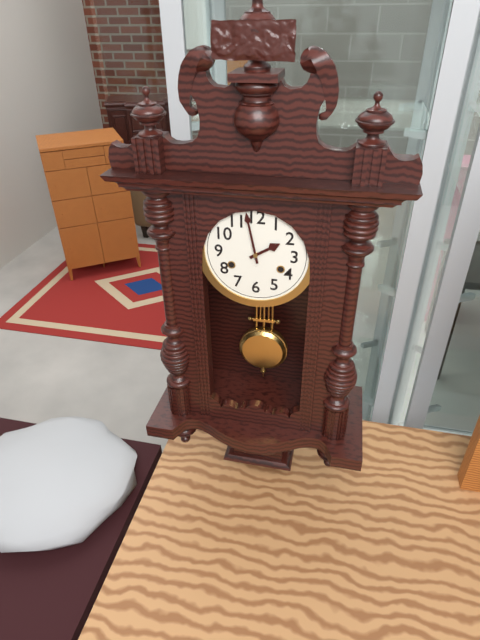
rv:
1.58
